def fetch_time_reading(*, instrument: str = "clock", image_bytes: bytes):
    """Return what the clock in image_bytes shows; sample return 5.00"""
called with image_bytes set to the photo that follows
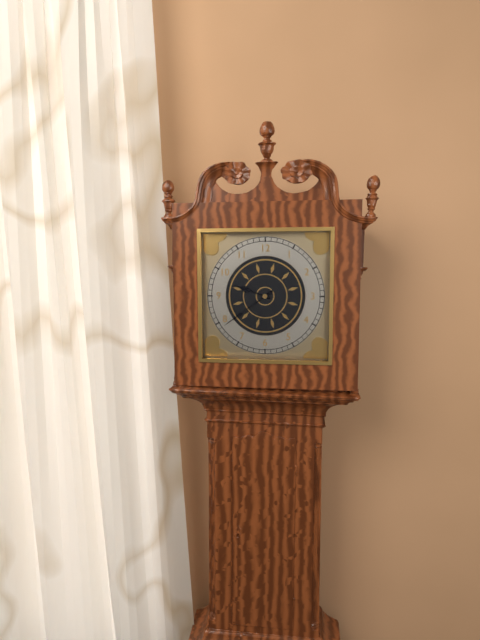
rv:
9.39
